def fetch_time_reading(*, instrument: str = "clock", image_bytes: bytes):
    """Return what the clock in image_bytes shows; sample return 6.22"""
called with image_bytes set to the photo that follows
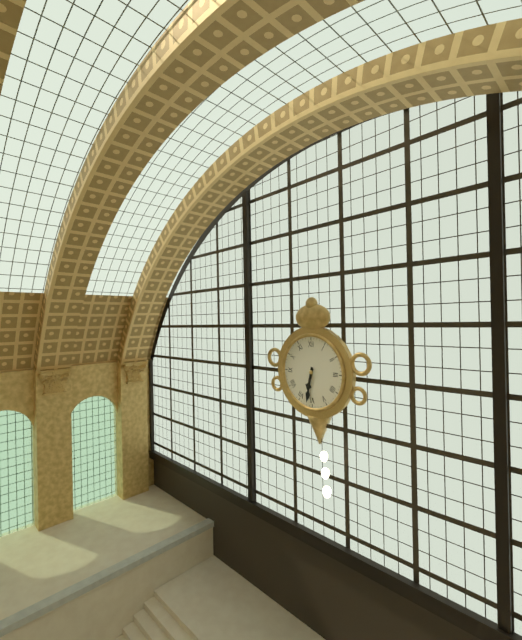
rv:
6.32
